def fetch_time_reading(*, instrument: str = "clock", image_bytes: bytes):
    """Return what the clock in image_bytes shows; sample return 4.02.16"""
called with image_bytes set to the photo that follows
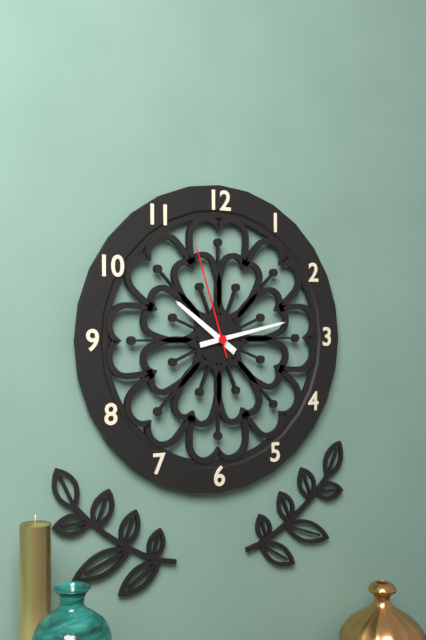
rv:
10.13.57
